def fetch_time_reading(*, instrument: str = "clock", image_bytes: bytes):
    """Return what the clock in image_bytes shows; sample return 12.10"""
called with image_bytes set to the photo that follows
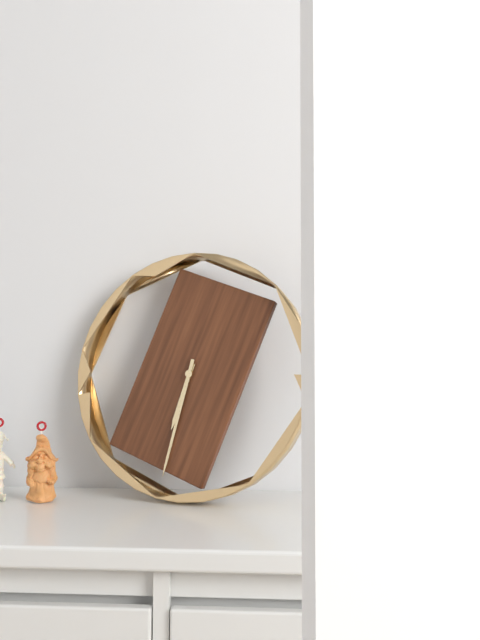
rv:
6.32
